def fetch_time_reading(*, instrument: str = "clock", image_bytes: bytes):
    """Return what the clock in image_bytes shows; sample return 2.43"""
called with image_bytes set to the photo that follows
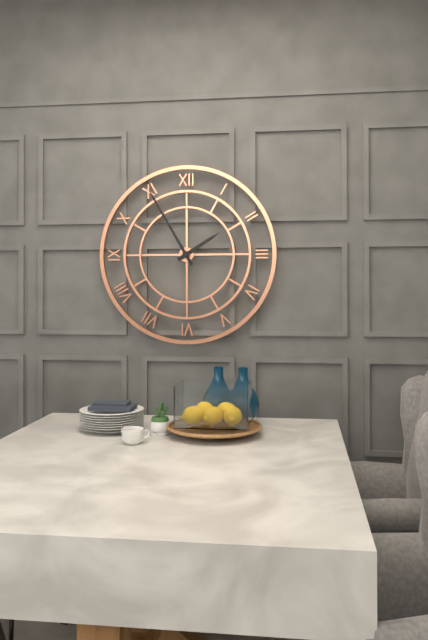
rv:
1.55
